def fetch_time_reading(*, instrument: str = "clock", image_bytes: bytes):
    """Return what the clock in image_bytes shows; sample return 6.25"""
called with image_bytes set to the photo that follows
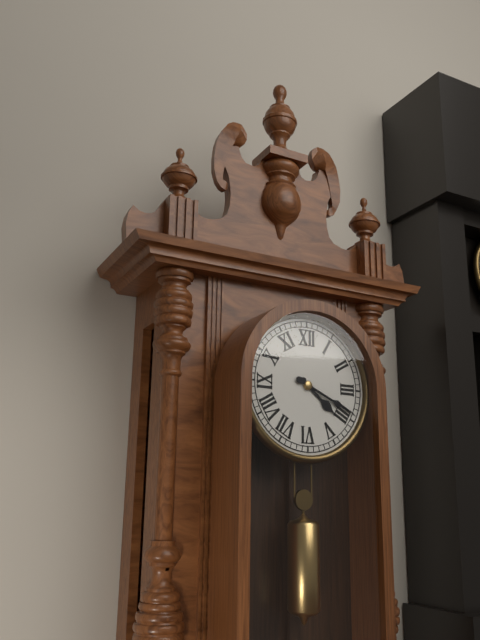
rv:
4.19
